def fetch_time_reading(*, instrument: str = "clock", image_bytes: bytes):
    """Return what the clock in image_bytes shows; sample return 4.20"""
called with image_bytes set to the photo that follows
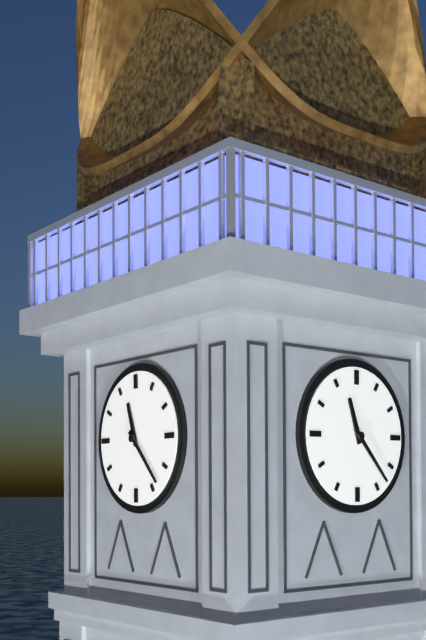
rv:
11.23
